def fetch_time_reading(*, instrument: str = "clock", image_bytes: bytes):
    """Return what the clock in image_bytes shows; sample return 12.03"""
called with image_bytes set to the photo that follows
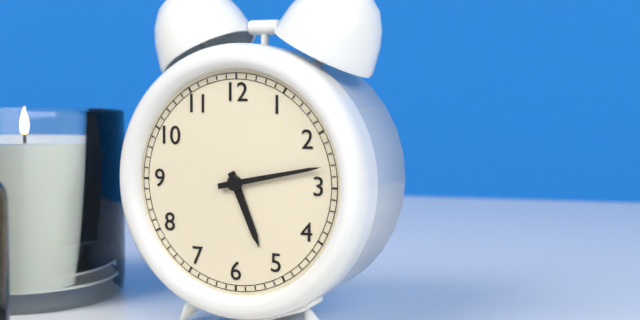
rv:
5.13
